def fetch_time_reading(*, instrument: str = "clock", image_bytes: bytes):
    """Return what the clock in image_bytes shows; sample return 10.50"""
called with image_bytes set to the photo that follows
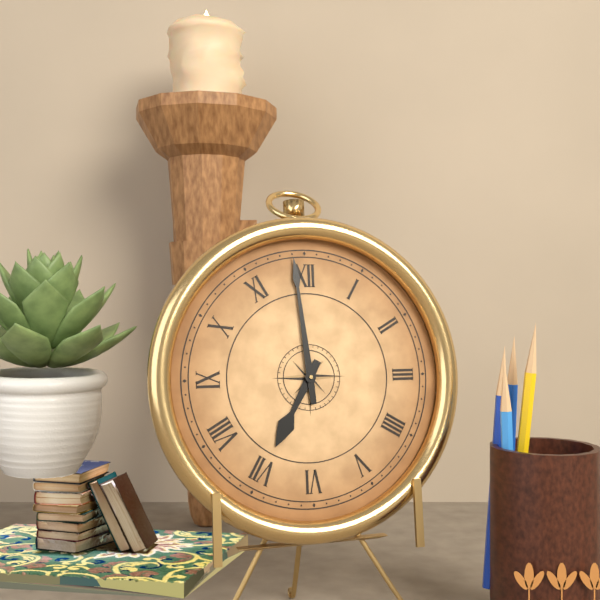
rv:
6.59
